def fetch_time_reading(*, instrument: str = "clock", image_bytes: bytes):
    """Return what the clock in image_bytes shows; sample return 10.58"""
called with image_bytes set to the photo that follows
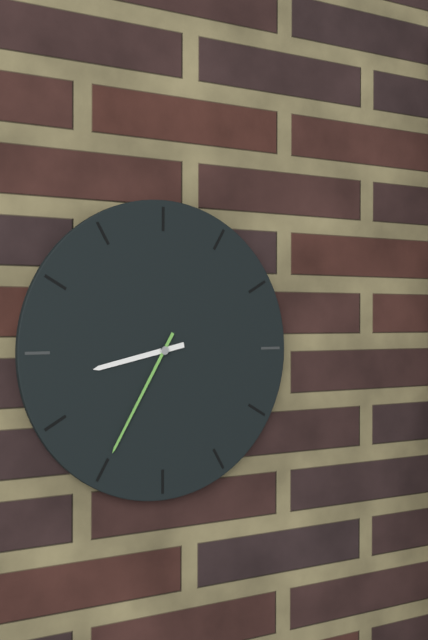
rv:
8.35
